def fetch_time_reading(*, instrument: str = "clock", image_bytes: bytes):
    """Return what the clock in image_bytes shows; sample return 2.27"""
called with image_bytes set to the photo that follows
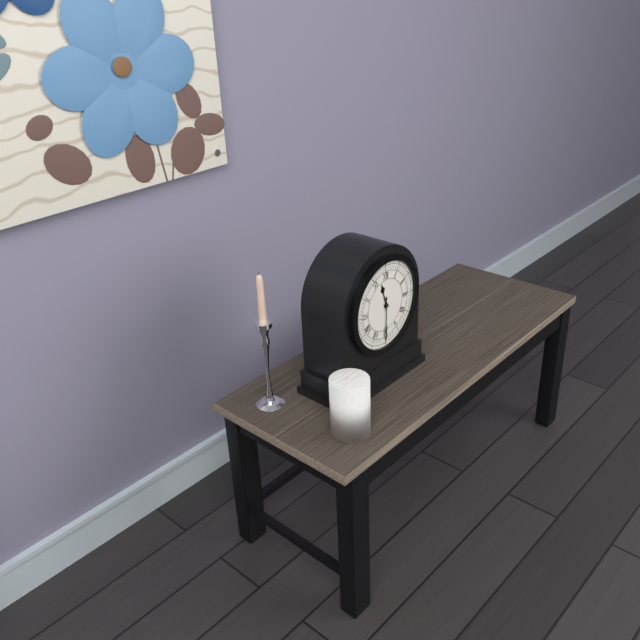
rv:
11.30
